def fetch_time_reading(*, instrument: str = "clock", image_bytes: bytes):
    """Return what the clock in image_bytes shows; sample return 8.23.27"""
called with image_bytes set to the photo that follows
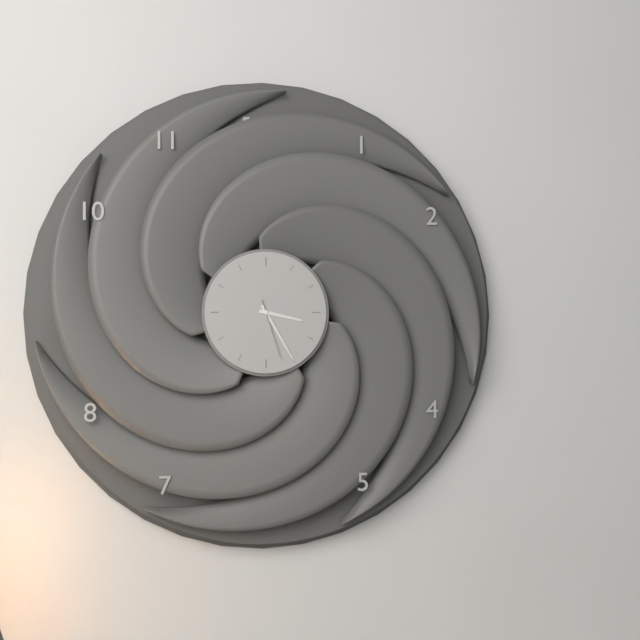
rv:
3.25.27
